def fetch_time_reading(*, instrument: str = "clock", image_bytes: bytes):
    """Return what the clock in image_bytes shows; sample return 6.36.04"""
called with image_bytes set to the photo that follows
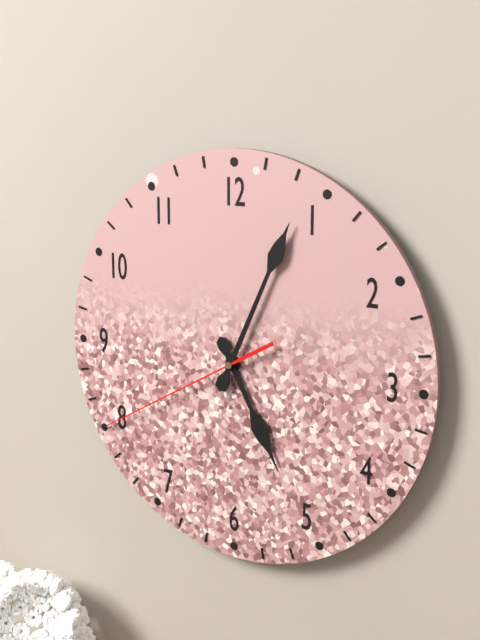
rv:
5.04.40
